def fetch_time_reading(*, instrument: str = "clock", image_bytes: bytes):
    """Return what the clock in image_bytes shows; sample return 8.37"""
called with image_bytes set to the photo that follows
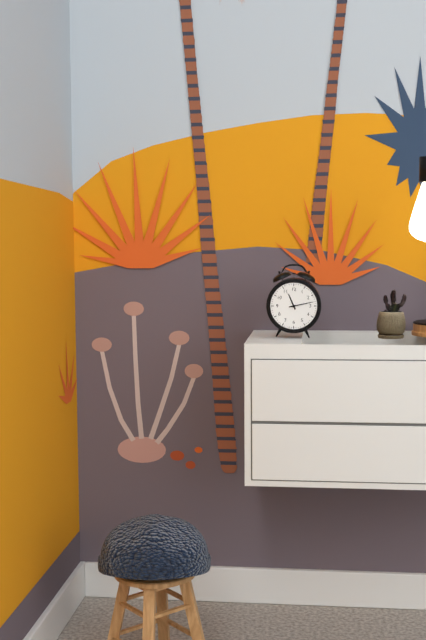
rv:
11.13
